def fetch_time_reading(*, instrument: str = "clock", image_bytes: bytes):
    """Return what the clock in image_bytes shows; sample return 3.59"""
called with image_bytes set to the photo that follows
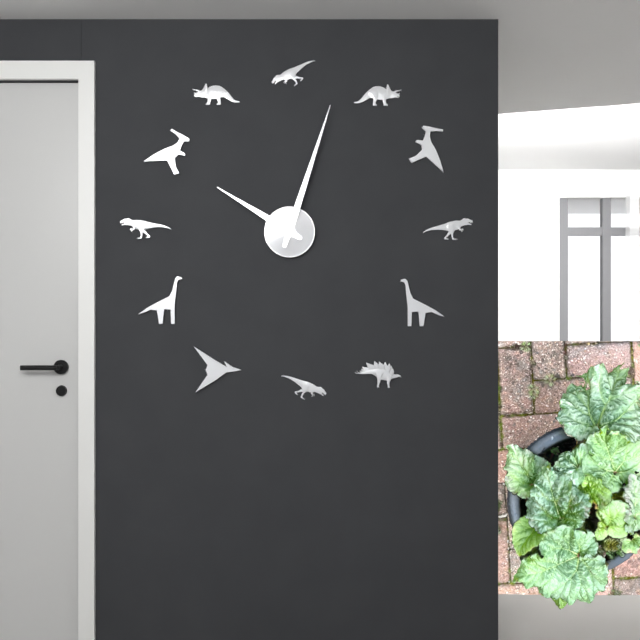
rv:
10.03
